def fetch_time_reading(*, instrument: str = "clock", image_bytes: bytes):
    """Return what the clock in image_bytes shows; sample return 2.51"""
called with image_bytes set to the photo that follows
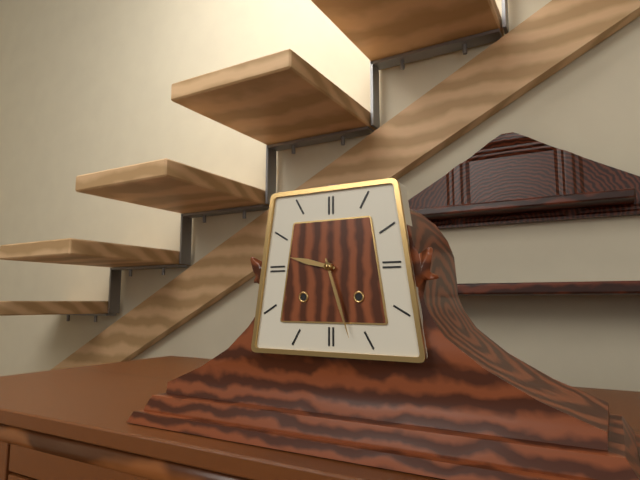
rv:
9.27
